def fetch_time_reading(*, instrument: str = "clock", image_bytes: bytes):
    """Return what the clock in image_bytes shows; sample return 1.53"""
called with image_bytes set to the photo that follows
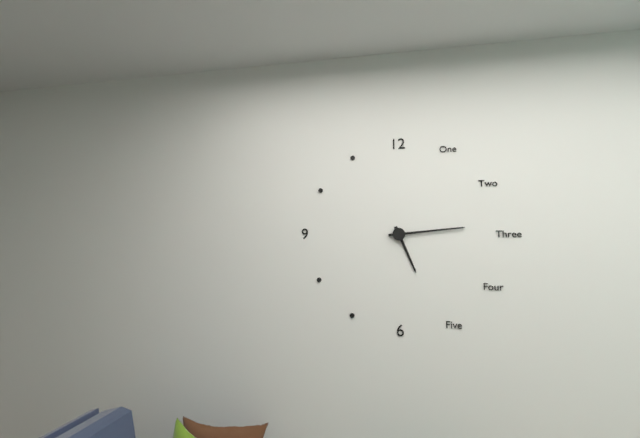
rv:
5.14
